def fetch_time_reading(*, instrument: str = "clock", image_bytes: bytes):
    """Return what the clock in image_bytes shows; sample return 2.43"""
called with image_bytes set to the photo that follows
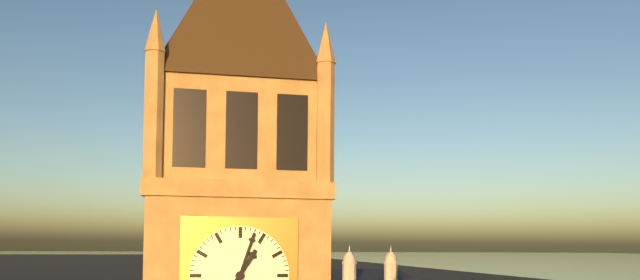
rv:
1.03
